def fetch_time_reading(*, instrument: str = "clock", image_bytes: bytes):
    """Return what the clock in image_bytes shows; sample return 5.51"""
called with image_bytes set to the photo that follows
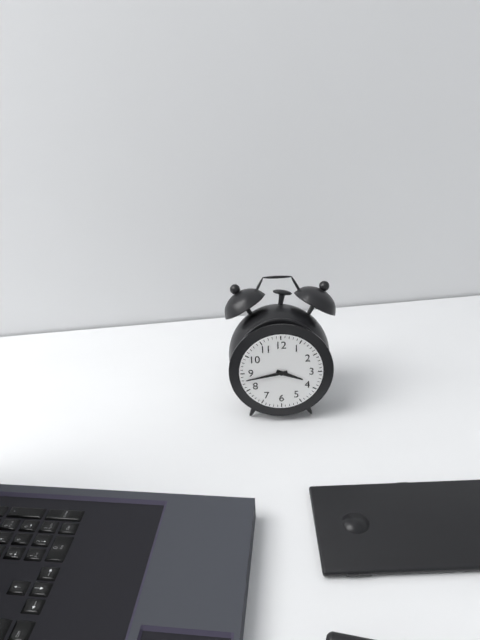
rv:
3.43
